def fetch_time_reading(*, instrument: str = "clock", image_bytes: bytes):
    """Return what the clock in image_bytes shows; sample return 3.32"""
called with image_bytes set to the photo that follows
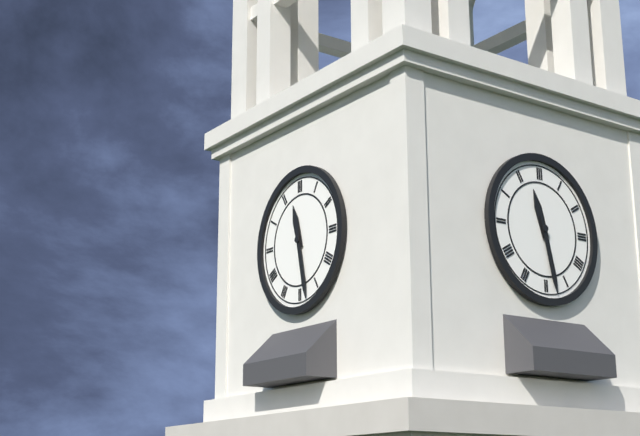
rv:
11.28
